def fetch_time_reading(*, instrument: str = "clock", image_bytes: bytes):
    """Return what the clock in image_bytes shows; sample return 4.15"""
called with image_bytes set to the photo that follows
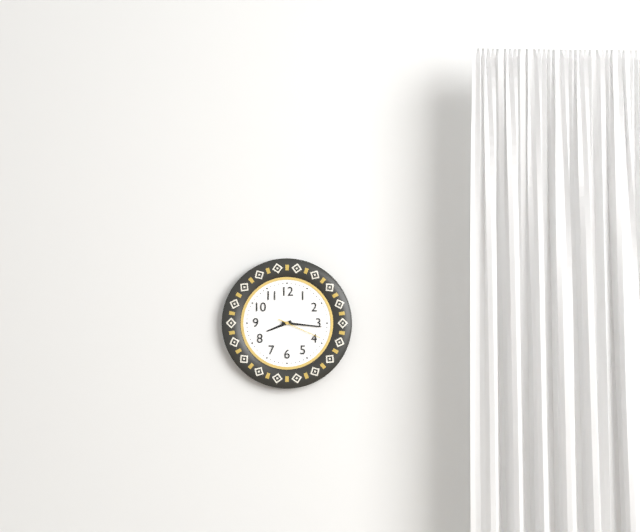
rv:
8.16
